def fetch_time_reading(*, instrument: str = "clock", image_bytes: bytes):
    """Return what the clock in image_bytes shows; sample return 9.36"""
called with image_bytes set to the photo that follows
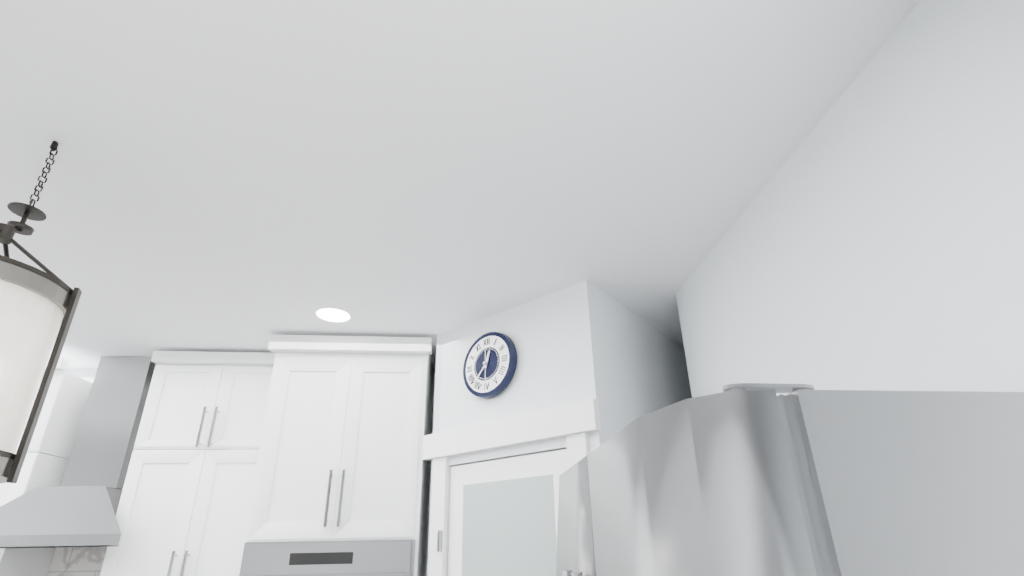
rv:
12.37
